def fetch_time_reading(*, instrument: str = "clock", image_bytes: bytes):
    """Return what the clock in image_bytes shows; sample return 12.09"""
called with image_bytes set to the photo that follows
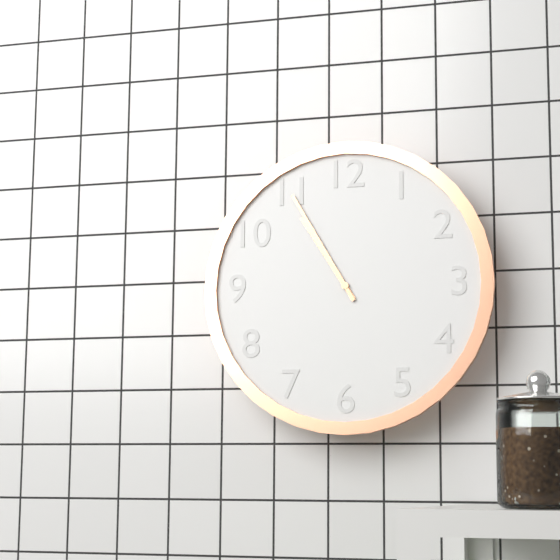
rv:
10.55
